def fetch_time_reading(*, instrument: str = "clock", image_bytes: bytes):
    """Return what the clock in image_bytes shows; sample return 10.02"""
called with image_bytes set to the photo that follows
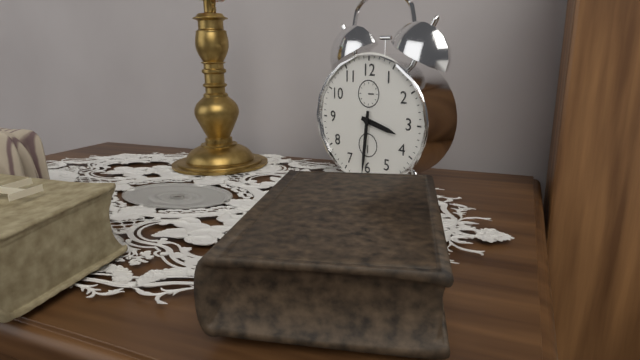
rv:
3.31
